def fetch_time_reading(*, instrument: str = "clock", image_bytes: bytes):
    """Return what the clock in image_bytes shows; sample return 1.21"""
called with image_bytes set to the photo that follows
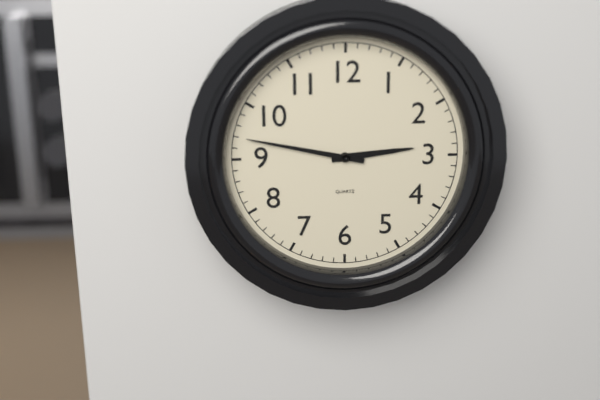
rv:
2.47
